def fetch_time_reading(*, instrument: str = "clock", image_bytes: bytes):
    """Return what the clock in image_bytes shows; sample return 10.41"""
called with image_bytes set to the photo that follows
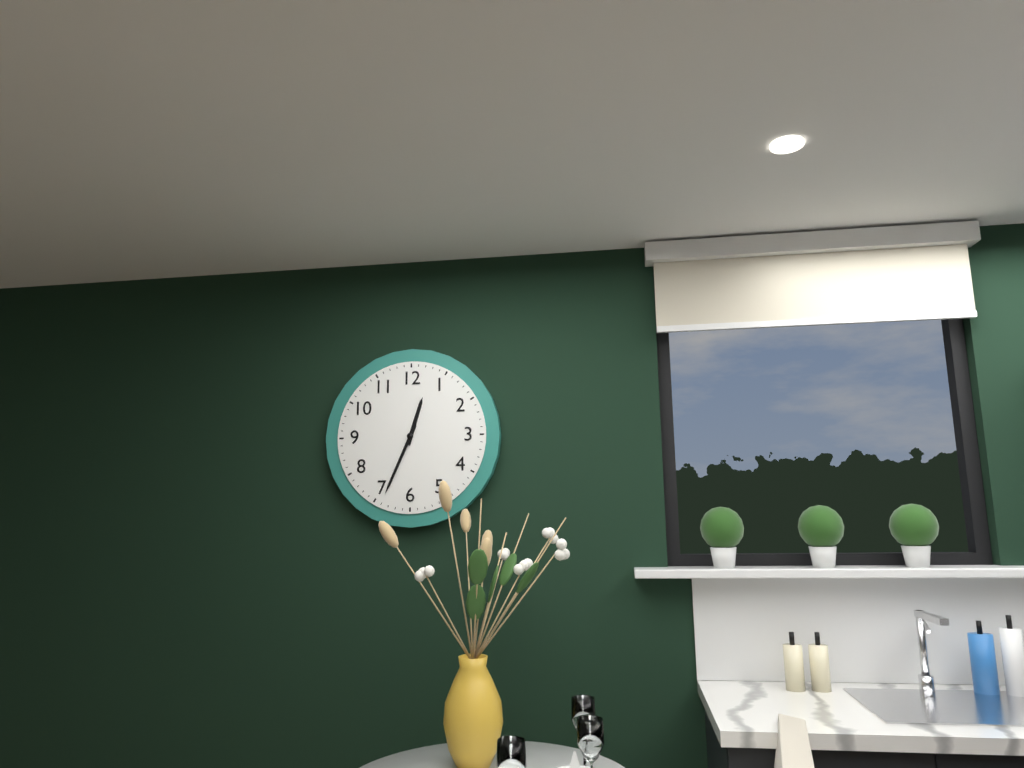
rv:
12.34
